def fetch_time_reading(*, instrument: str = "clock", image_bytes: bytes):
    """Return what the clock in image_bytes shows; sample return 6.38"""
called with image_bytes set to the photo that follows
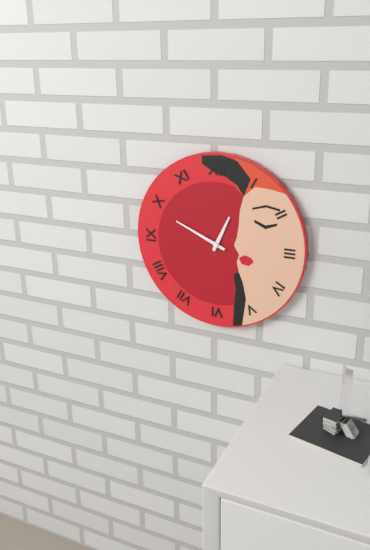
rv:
12.49
